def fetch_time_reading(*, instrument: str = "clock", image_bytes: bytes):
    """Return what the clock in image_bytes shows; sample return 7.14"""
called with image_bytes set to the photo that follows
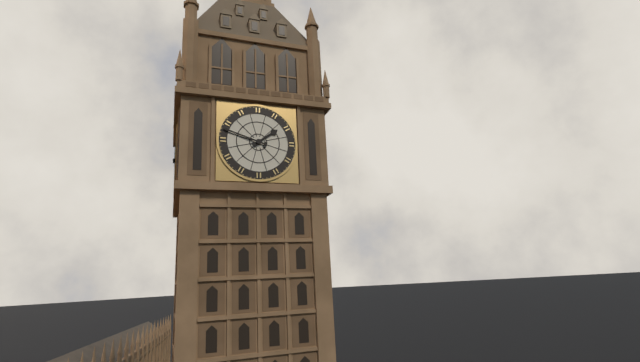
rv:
1.48
